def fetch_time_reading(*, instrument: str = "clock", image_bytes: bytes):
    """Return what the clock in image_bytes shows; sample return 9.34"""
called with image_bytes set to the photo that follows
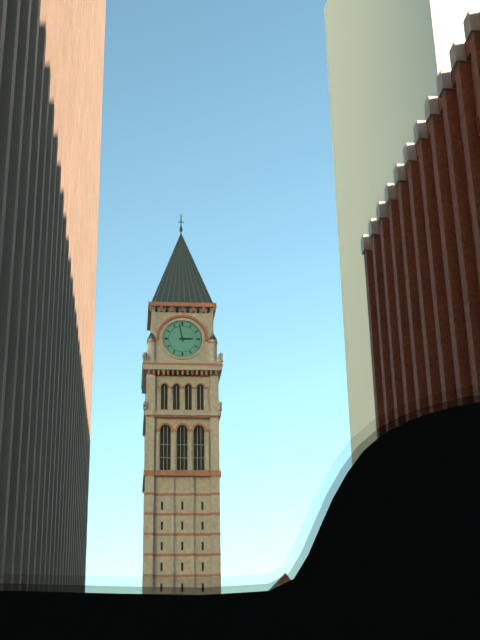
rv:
2.58
